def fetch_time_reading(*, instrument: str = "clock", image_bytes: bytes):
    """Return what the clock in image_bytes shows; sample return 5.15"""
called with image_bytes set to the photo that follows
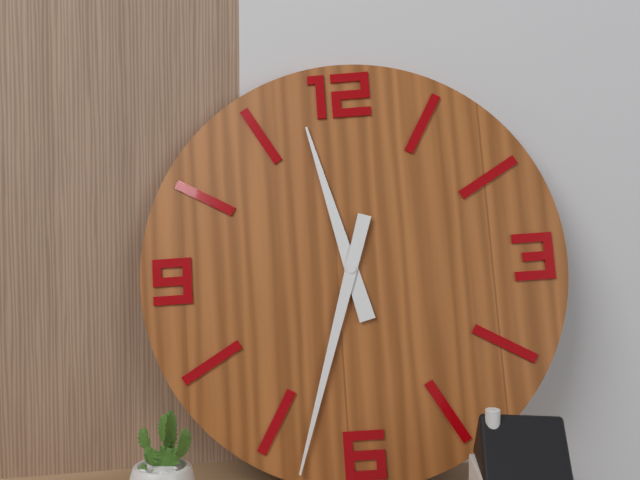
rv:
11.33
